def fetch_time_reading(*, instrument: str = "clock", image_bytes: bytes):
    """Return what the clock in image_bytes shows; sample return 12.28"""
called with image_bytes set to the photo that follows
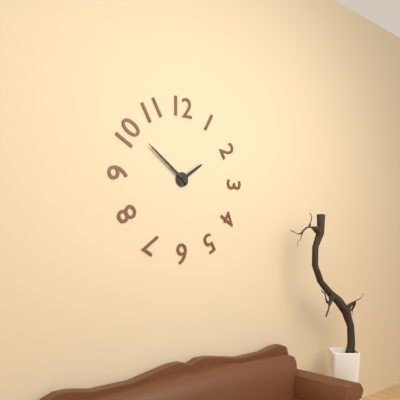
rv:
1.51
